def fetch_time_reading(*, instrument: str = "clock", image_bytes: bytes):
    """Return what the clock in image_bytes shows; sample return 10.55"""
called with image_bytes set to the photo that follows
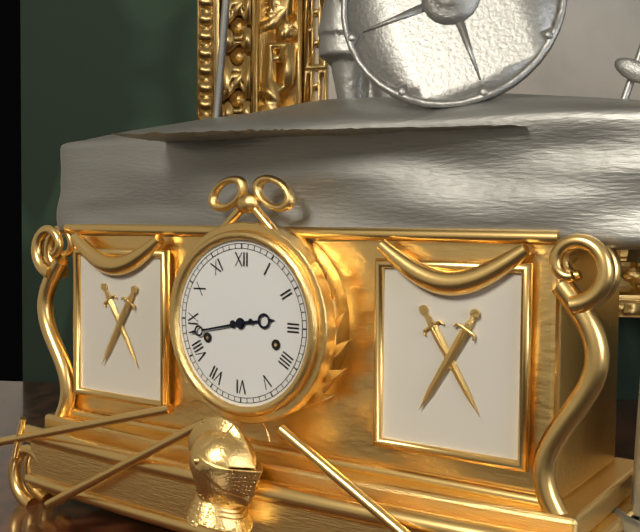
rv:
2.43
